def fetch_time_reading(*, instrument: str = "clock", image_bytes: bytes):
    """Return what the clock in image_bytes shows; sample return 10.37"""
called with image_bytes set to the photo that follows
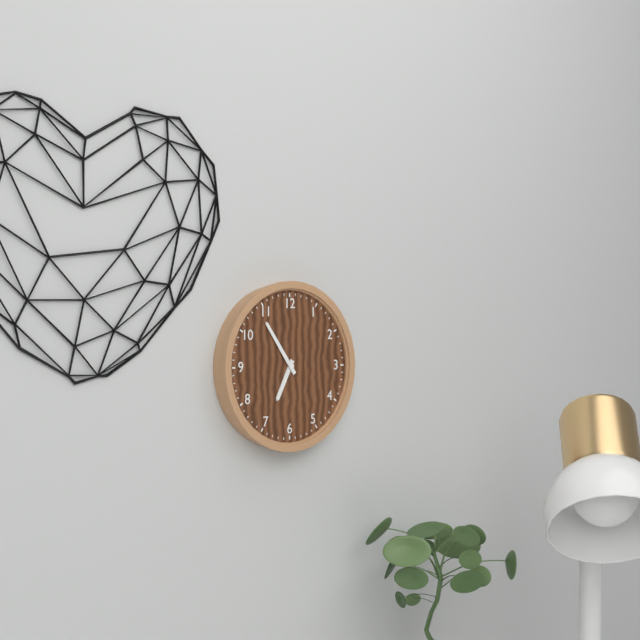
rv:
6.54
